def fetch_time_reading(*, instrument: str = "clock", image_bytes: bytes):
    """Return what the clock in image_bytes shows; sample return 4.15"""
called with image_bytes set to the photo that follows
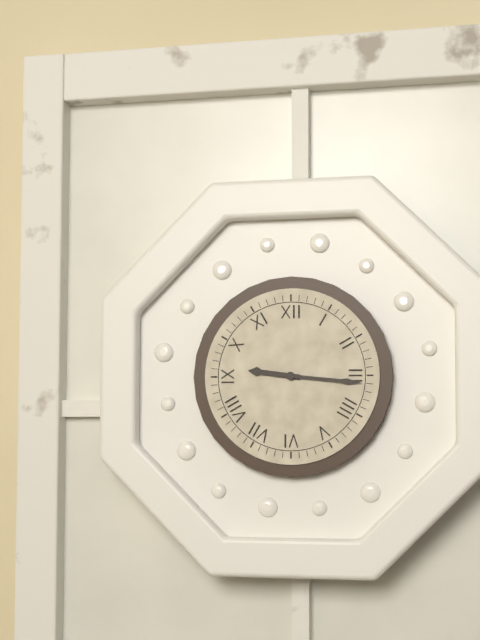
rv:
9.16
